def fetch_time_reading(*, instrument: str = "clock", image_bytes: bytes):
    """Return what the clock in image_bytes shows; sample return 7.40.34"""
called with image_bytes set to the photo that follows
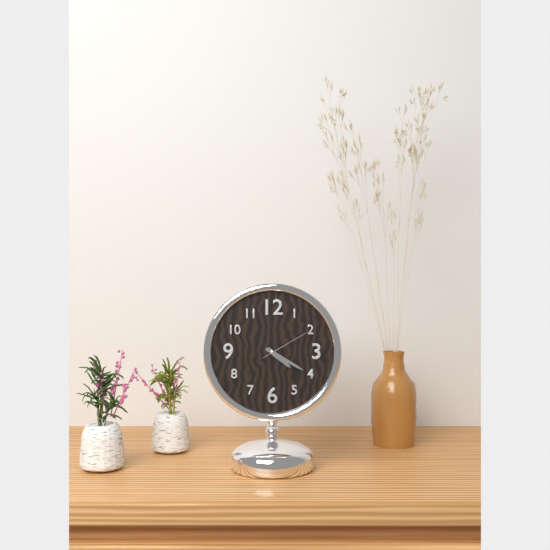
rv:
4.20.10
